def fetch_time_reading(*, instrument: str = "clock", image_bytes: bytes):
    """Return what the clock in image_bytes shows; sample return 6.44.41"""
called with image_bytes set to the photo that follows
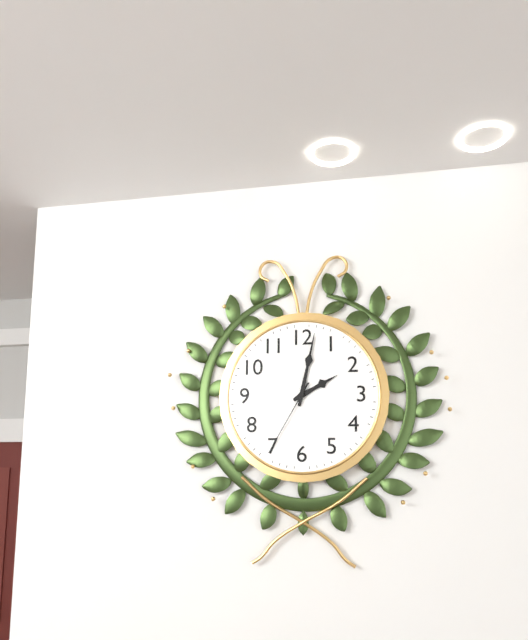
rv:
2.02.35
